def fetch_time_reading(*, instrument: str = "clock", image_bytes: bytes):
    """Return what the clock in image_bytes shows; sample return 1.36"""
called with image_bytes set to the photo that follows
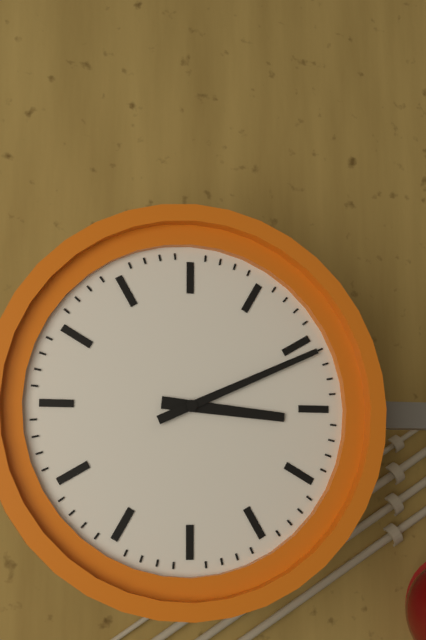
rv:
3.11
